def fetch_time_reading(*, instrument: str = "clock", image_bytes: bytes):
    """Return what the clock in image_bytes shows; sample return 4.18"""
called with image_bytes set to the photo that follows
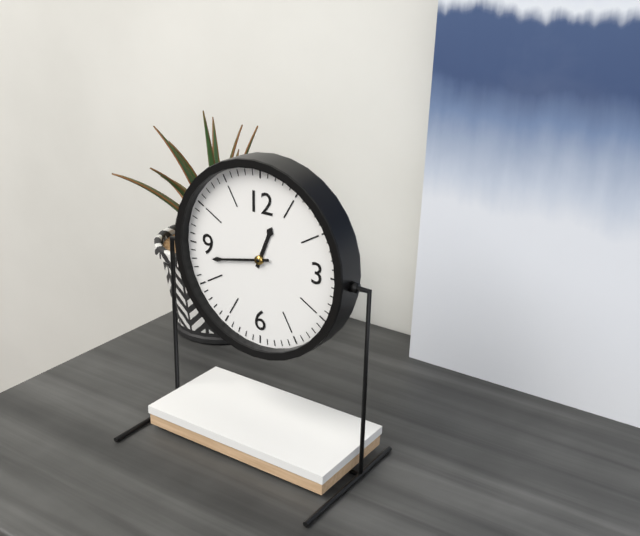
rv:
12.43
